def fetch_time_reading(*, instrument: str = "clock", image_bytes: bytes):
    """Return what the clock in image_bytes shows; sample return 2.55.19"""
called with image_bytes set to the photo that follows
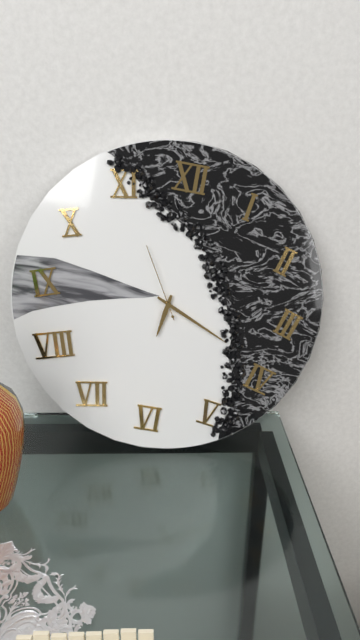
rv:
6.19.55
